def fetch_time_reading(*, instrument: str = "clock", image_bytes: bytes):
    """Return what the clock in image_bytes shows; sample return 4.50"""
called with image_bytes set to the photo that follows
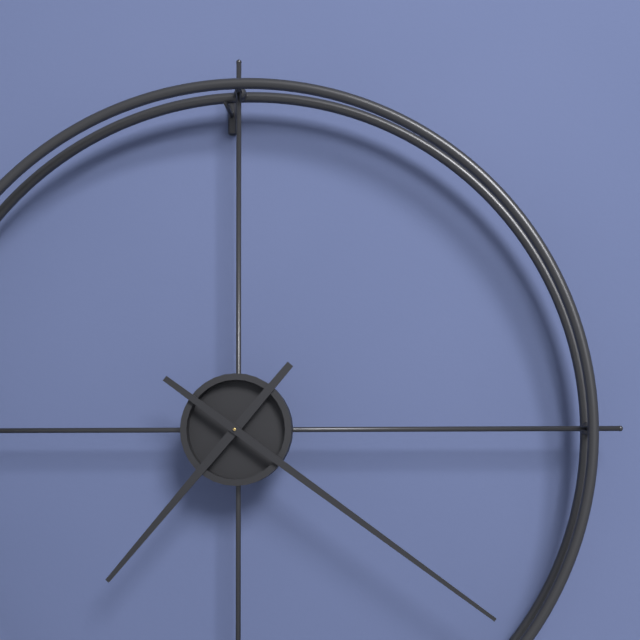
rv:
7.21
